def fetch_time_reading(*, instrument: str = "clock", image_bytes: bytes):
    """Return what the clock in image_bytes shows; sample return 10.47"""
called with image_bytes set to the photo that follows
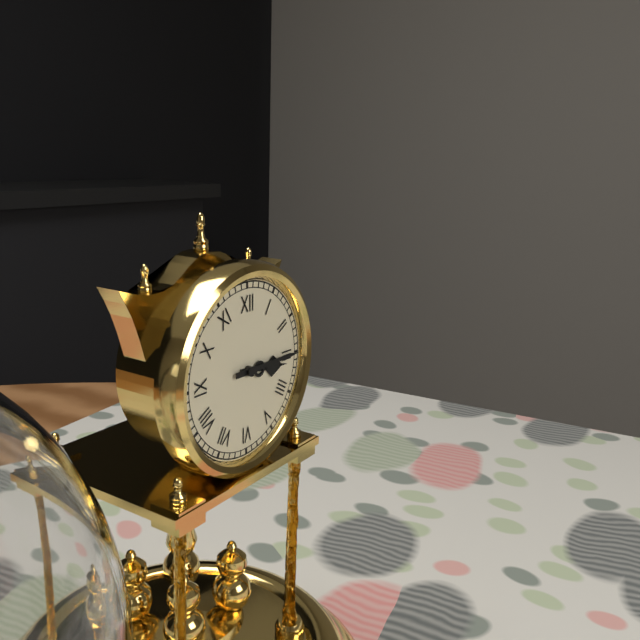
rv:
3.15
